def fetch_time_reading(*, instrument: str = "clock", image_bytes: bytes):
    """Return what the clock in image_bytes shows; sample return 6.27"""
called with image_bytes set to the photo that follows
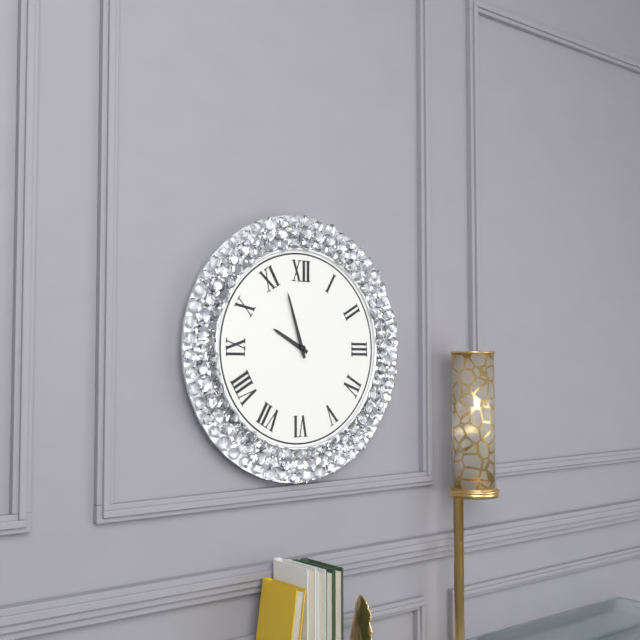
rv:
9.57
